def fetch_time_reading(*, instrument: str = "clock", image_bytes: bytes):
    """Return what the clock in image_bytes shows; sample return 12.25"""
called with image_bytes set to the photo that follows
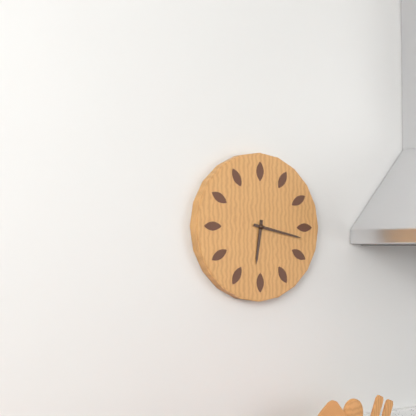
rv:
6.17
